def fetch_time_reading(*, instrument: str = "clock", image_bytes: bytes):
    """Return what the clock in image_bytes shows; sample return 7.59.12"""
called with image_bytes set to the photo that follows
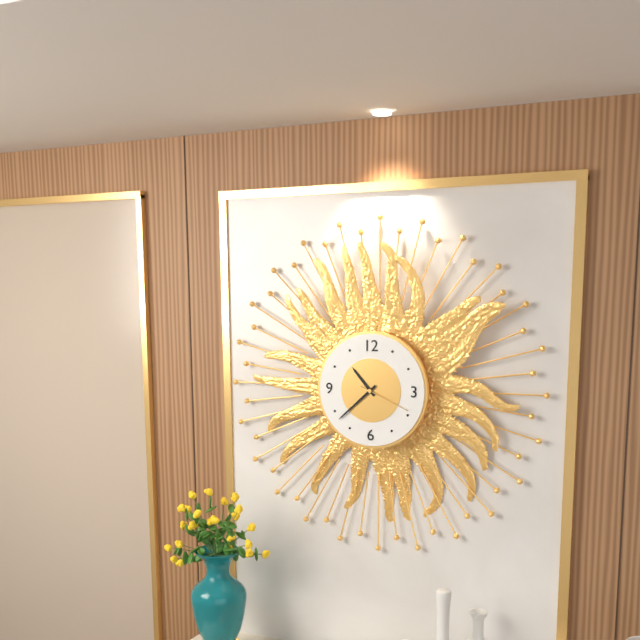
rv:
10.38.19
